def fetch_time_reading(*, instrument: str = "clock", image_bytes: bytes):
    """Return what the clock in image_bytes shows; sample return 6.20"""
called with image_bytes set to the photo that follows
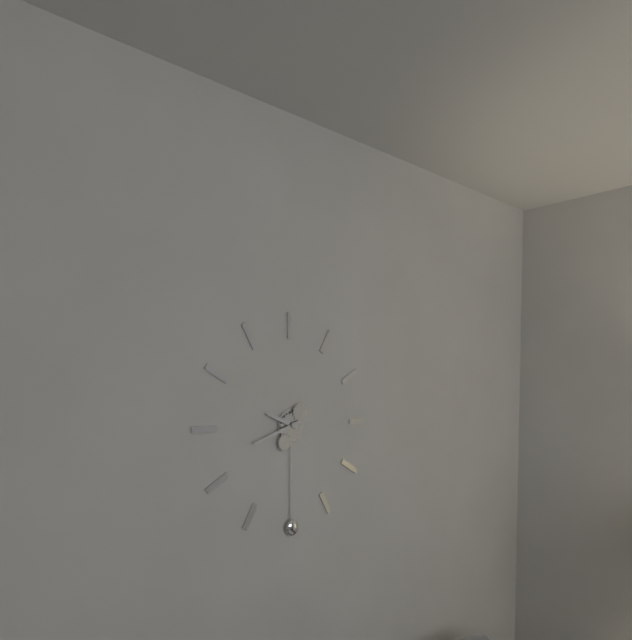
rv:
9.42
